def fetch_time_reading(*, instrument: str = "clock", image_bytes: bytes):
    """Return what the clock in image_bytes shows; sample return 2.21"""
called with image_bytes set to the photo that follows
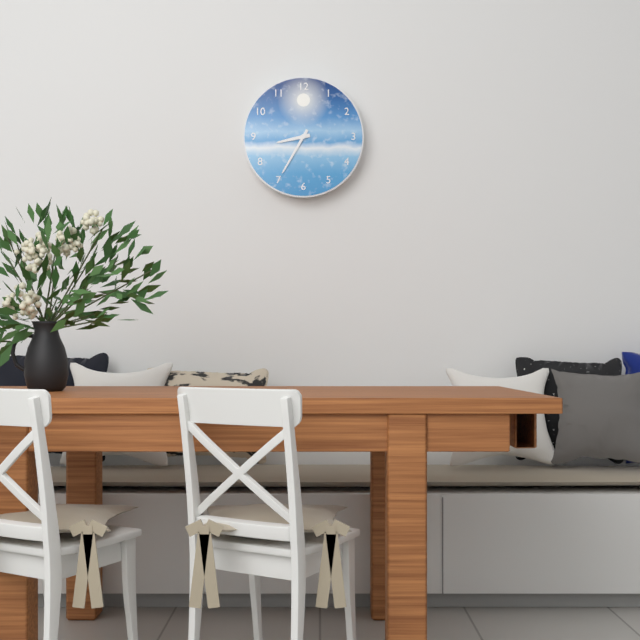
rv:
8.35
